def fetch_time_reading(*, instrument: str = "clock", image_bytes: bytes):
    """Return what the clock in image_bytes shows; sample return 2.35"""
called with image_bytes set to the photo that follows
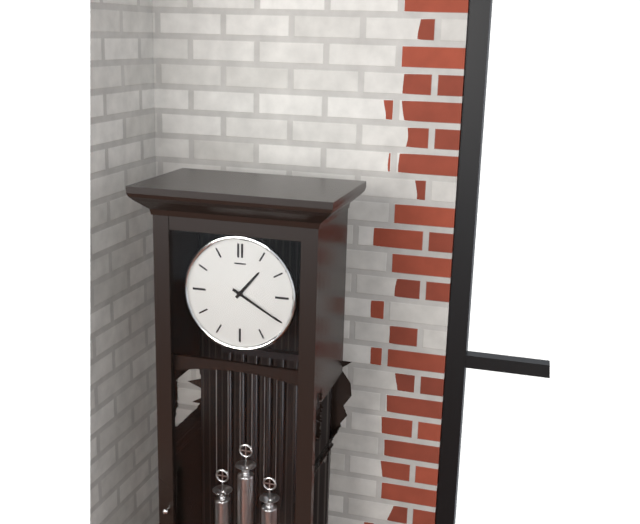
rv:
1.20
